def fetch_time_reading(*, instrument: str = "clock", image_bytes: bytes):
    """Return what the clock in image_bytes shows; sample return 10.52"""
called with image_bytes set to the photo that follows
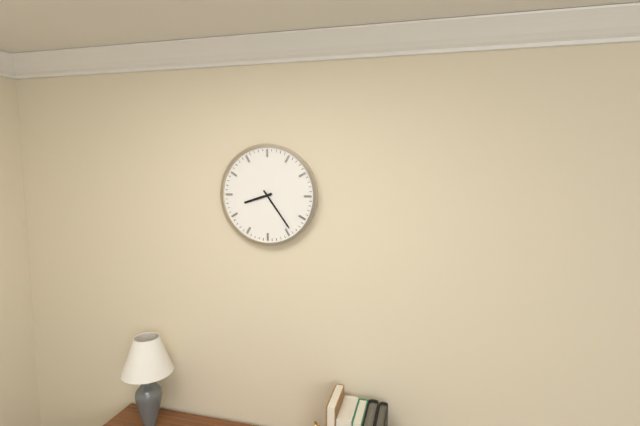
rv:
8.24
